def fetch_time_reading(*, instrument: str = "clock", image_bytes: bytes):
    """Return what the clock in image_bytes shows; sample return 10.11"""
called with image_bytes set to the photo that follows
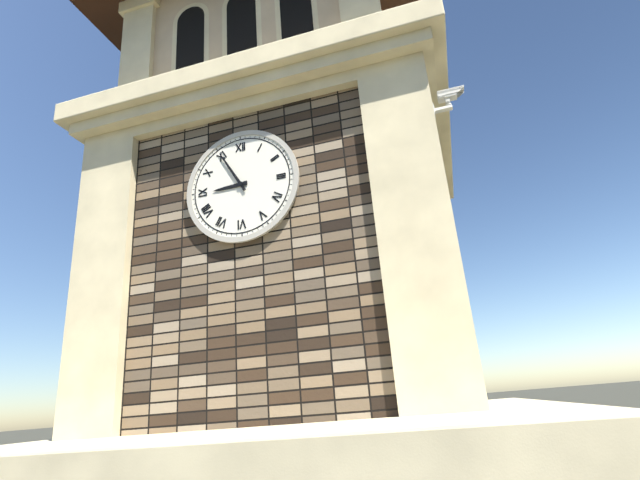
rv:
8.55
